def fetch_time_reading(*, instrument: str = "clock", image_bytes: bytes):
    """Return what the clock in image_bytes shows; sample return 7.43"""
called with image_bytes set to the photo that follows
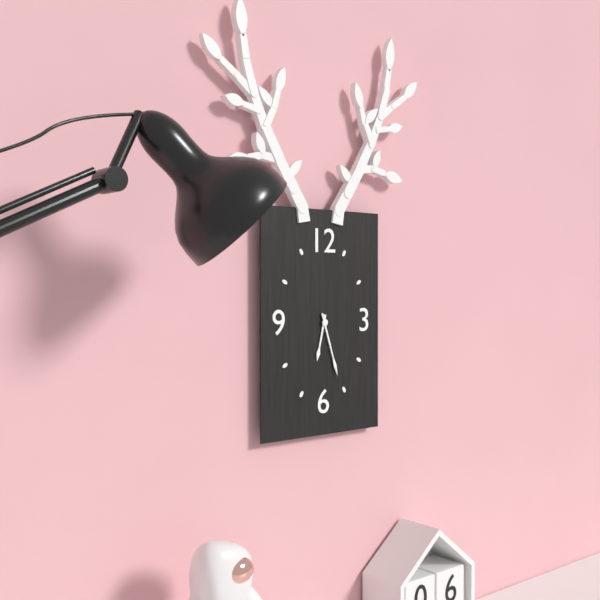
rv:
6.27
